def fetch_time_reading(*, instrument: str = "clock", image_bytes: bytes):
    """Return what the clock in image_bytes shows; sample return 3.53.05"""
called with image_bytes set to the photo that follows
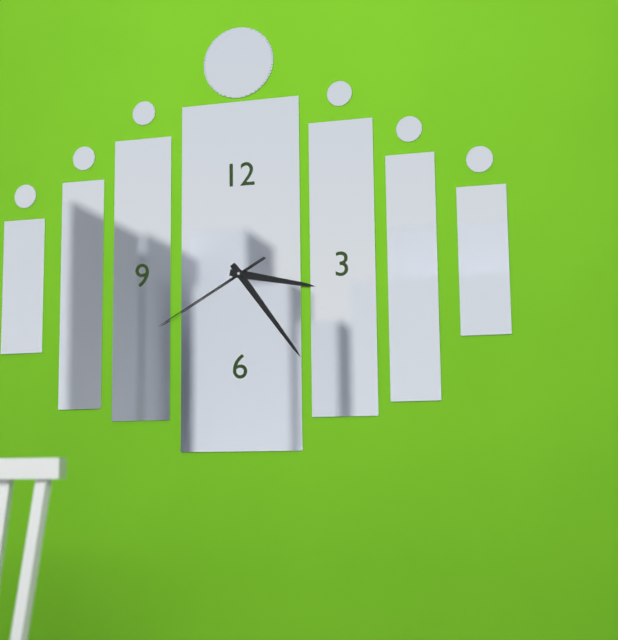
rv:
3.24.40
